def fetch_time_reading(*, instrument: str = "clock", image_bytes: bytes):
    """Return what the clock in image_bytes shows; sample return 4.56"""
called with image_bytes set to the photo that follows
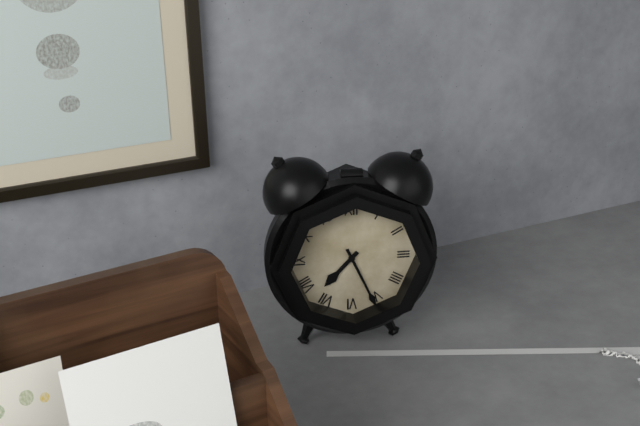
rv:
7.26
